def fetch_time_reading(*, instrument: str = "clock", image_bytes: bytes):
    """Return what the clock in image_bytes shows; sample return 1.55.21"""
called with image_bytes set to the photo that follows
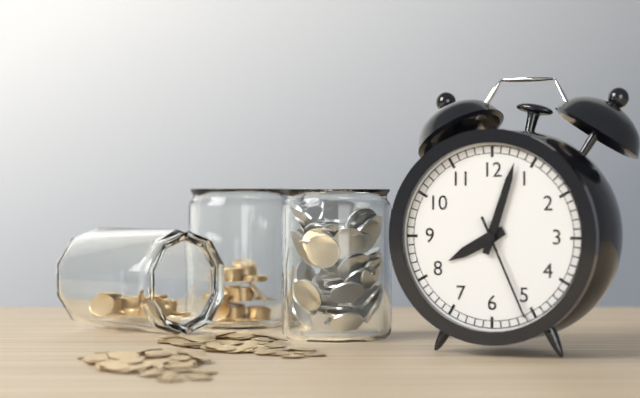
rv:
8.03.26
